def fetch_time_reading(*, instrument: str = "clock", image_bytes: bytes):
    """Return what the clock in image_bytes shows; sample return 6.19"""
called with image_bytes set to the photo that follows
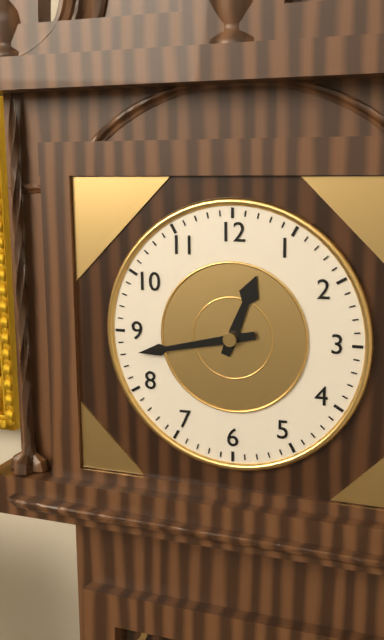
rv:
12.43
